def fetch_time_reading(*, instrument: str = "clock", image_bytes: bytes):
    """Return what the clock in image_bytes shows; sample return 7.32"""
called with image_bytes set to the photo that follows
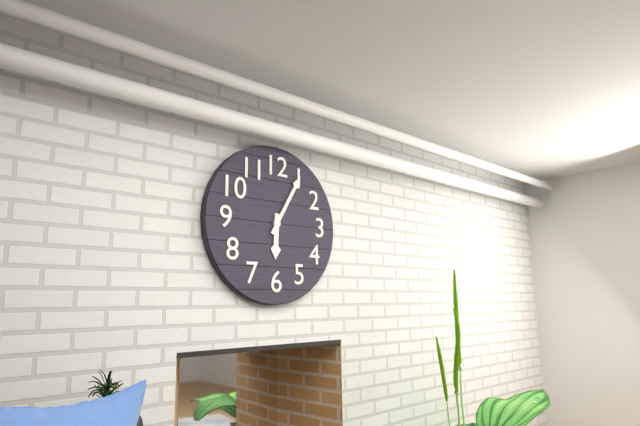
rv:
6.05
